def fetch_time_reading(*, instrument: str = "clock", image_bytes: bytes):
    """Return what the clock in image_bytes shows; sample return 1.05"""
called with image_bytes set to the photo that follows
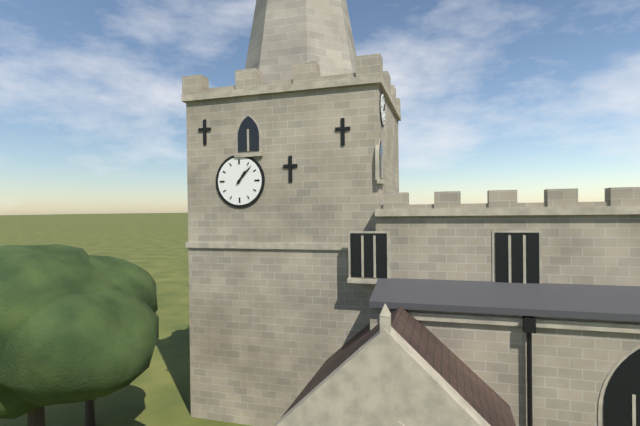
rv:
1.07
